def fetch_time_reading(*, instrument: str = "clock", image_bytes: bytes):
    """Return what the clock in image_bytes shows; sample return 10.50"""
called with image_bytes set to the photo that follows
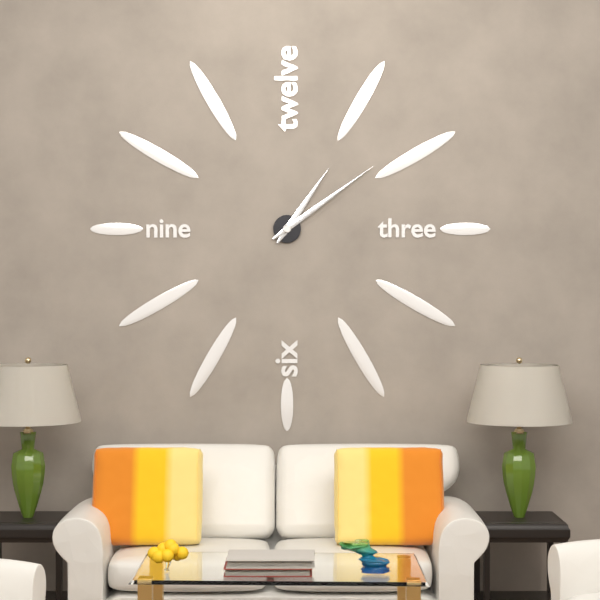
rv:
1.09
